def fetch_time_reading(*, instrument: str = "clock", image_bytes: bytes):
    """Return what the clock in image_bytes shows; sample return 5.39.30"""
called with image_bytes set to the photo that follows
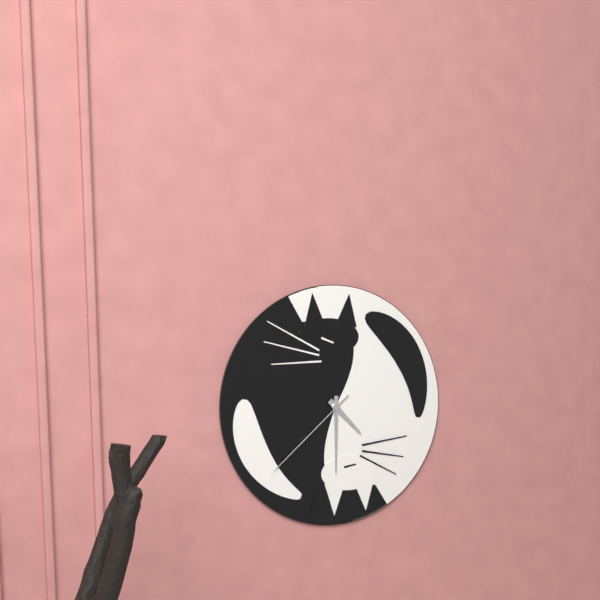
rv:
4.30.38
